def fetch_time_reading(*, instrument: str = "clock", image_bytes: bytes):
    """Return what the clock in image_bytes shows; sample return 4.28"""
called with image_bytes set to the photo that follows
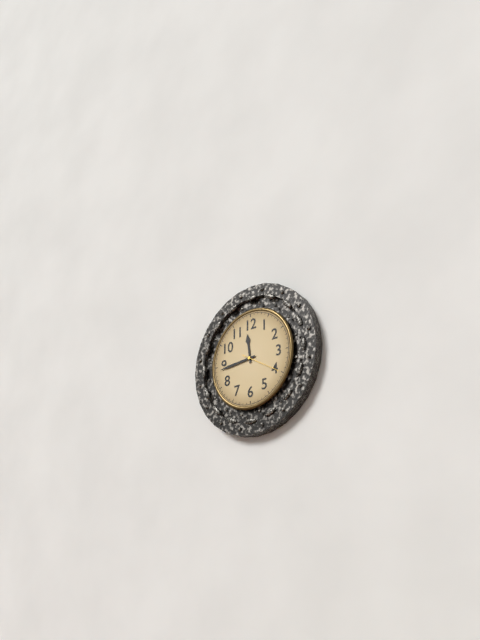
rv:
11.44
